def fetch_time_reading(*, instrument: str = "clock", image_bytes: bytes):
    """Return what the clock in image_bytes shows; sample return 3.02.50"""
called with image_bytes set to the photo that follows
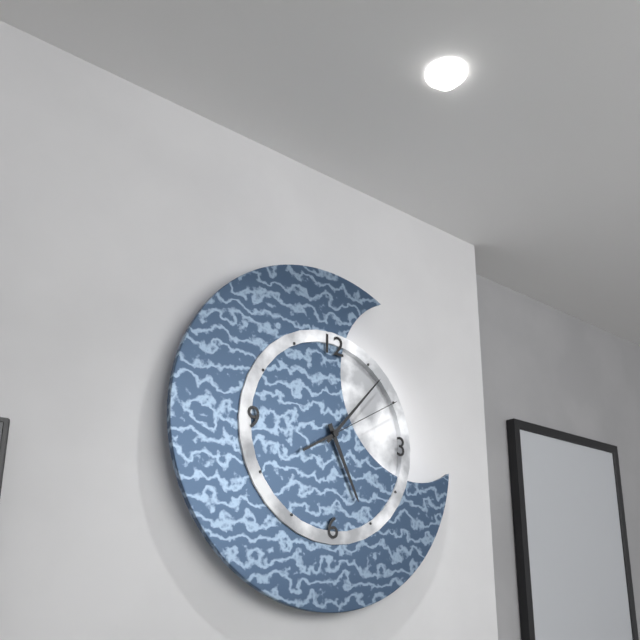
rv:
5.07.10
